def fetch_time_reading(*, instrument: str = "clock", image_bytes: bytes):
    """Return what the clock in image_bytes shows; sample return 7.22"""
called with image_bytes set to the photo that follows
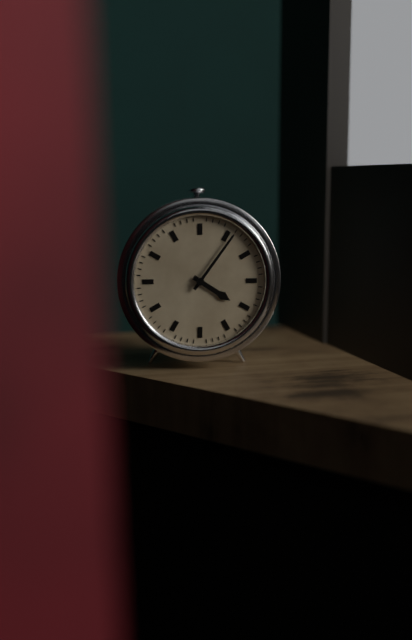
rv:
4.06
